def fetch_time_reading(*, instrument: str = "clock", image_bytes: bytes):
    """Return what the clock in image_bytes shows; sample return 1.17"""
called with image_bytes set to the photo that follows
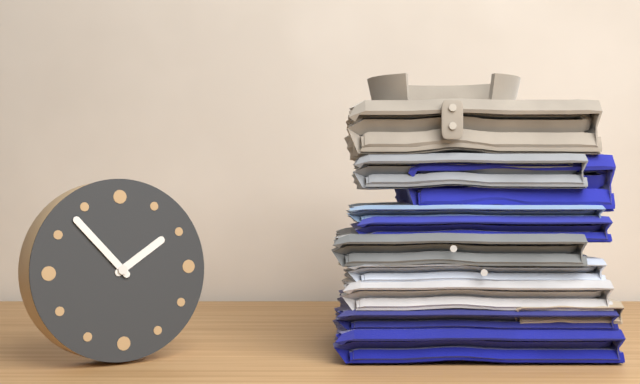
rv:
1.53
